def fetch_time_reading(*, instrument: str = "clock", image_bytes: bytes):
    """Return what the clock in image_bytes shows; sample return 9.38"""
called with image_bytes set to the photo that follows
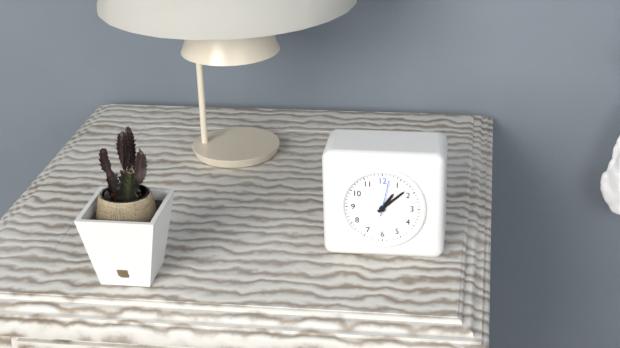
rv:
1.08
